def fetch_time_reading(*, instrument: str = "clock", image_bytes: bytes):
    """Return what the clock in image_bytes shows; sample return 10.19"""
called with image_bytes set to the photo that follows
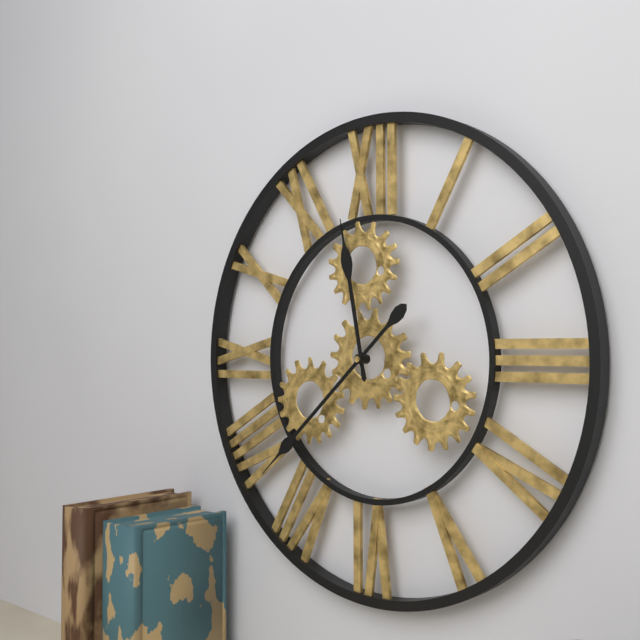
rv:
11.38
